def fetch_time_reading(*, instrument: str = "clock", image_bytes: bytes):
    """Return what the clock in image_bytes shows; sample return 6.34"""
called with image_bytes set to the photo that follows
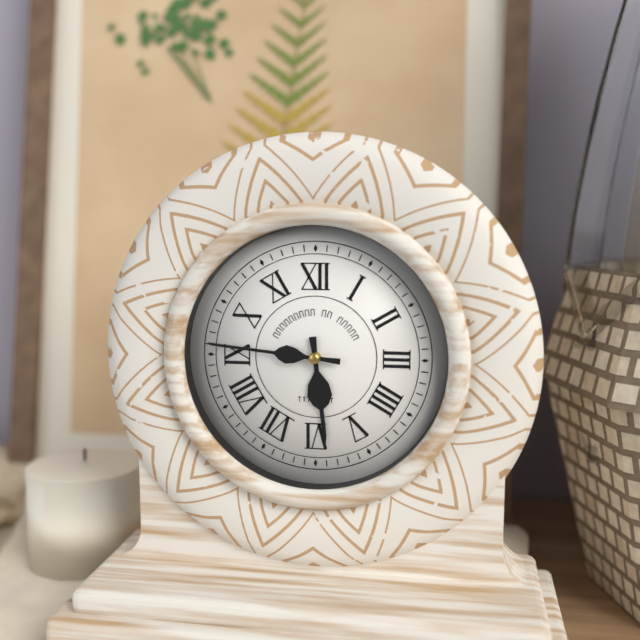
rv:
5.46
